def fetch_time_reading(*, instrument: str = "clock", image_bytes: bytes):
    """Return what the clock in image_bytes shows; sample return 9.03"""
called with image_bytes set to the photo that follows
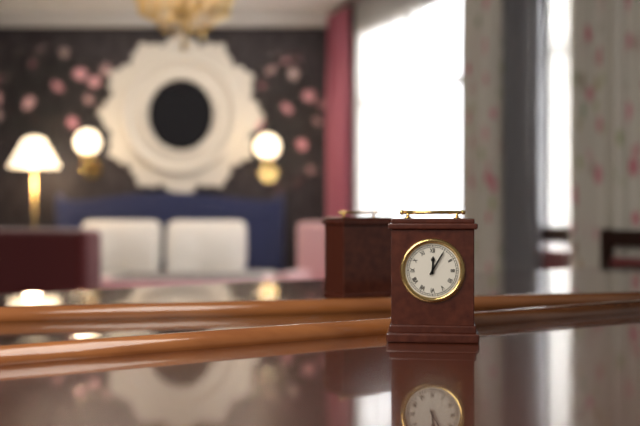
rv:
12.05
